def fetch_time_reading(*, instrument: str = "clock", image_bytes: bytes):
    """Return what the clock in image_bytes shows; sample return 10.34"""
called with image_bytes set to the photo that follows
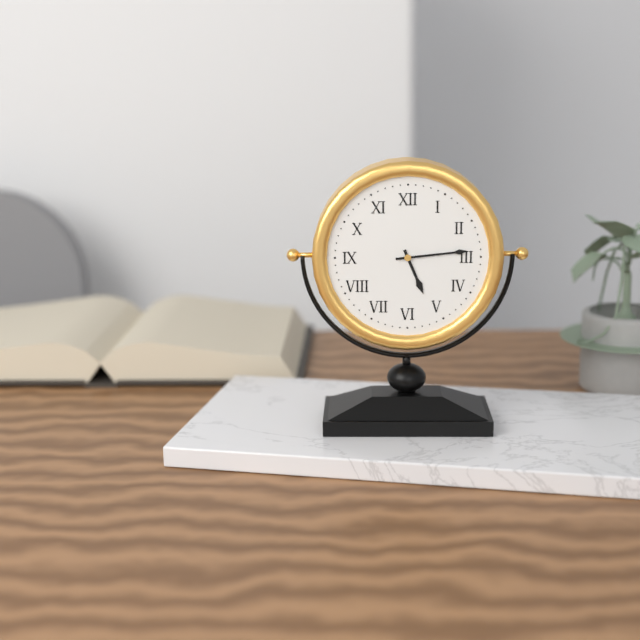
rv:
5.14
